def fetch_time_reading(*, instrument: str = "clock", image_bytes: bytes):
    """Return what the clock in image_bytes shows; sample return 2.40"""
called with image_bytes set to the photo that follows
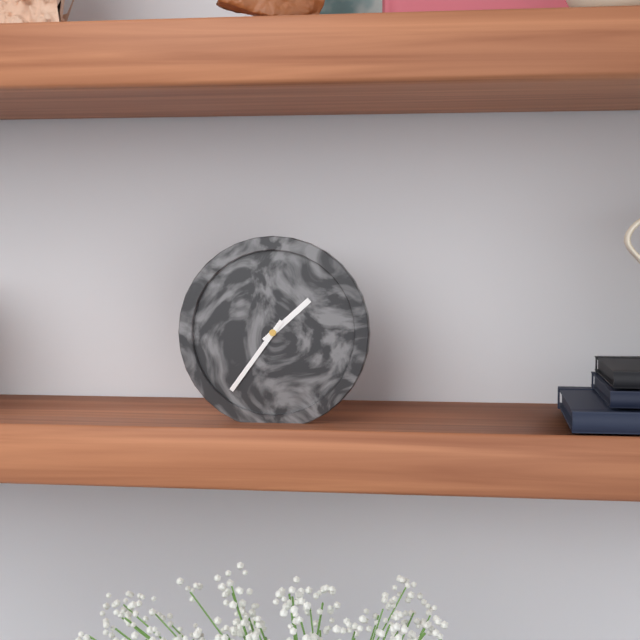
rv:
1.36
